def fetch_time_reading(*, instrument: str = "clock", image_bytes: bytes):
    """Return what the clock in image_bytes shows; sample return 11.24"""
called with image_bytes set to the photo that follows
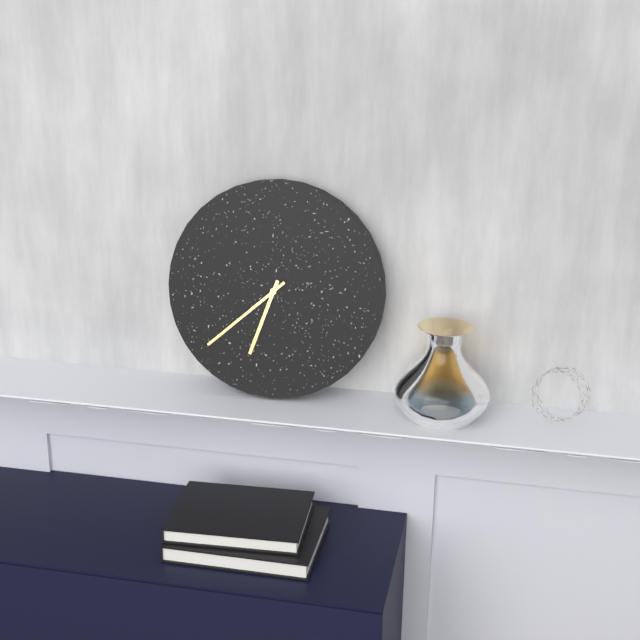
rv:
6.38
